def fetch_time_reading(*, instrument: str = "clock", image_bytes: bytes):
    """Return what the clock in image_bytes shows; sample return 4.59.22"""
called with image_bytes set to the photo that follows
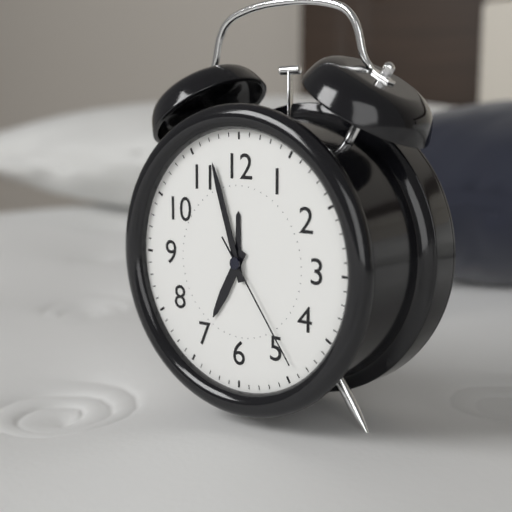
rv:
6.57.24
